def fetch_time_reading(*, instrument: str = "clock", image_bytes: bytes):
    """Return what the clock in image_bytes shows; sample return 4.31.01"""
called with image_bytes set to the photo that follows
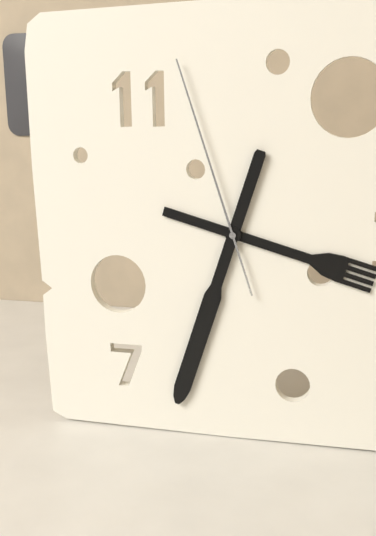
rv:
3.33.57
